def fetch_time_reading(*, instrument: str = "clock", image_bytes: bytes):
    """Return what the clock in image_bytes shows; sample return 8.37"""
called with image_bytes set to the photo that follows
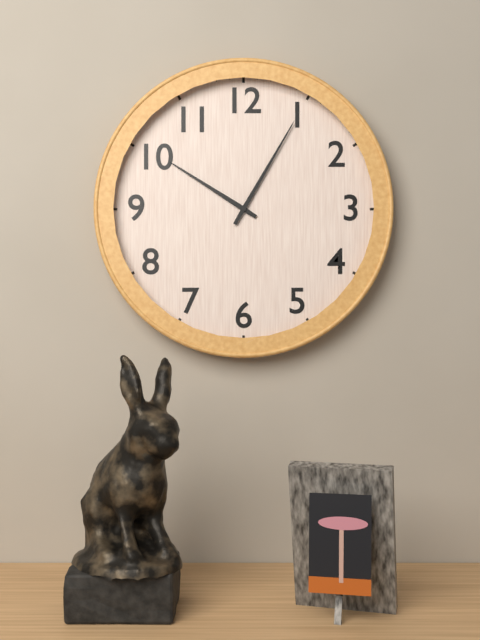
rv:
10.05
